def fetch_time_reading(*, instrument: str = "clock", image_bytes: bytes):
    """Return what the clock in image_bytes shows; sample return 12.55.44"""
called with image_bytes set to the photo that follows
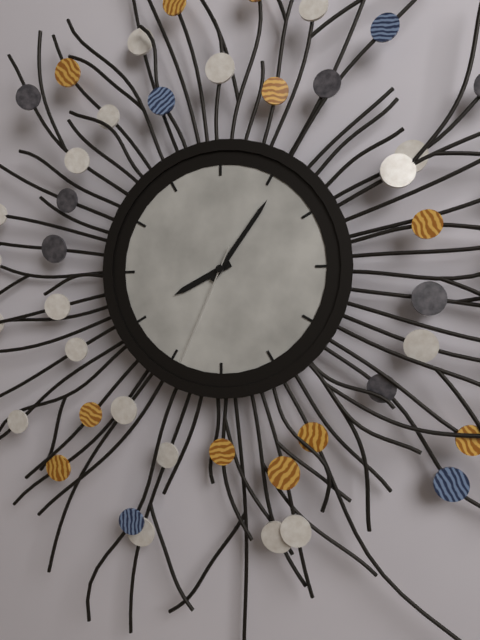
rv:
8.06.34
